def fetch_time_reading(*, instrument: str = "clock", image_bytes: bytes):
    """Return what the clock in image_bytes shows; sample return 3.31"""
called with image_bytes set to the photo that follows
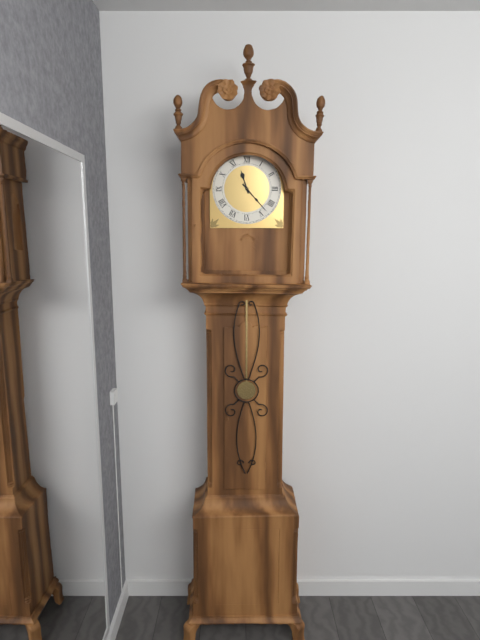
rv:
11.23
